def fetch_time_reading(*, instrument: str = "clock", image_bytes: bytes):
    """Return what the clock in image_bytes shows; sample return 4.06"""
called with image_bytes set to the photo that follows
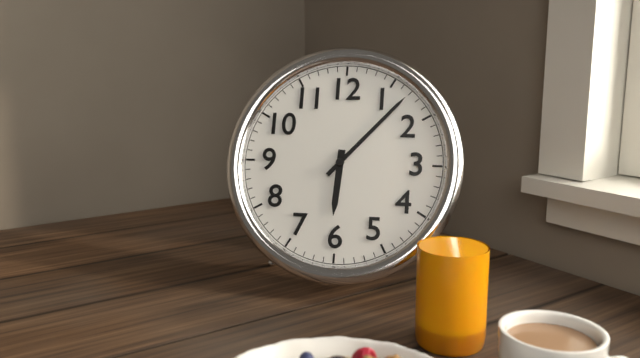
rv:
6.07
